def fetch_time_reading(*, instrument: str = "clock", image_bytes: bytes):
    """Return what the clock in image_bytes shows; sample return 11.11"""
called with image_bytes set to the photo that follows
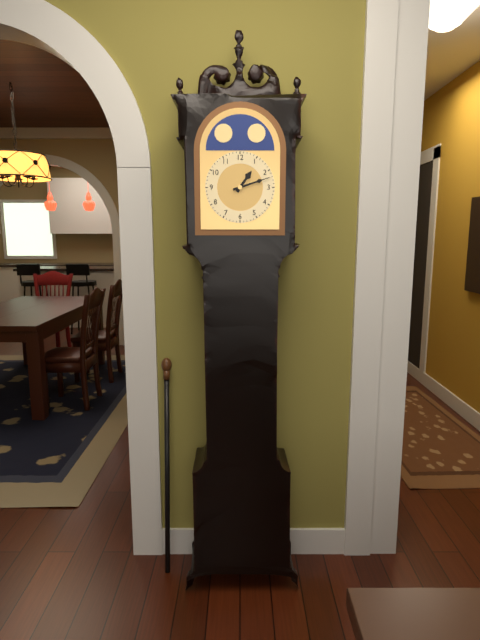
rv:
1.12
